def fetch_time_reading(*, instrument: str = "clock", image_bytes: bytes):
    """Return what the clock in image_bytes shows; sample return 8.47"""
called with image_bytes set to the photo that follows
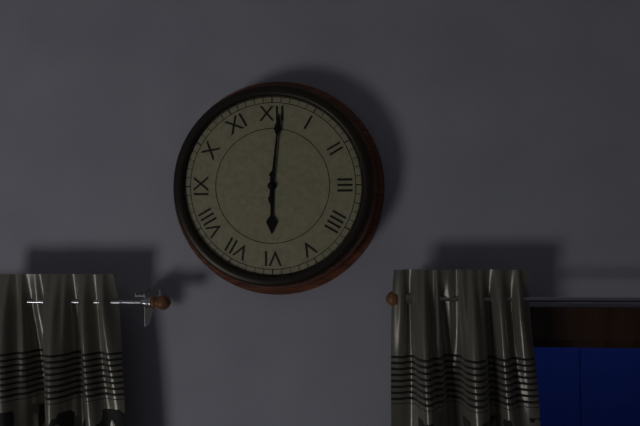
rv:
6.01
